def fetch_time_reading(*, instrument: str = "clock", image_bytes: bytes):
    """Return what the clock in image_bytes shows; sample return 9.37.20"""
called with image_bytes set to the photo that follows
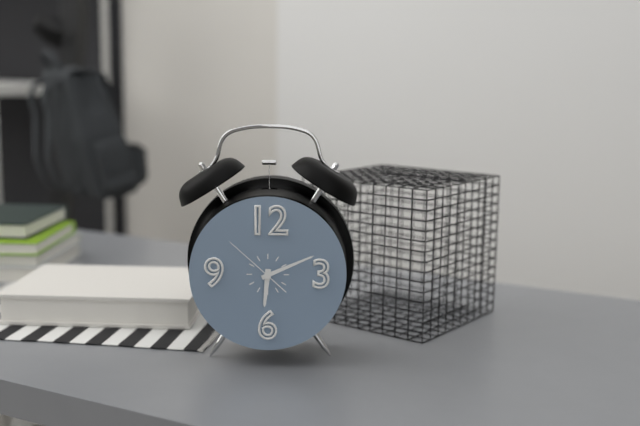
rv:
6.11.52
